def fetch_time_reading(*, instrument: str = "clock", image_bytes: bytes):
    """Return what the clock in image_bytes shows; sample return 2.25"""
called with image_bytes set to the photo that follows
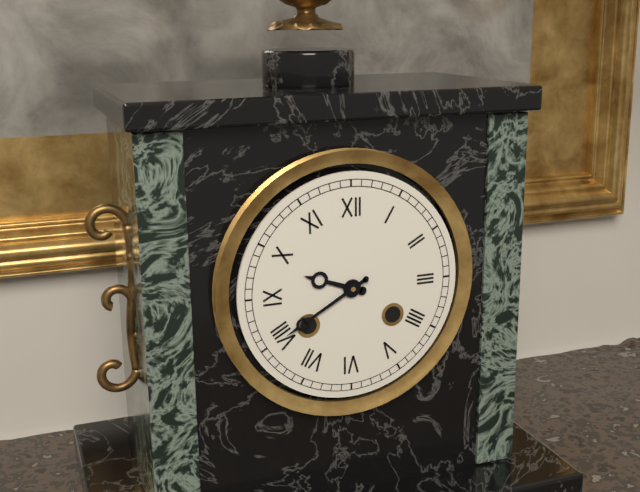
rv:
9.40
